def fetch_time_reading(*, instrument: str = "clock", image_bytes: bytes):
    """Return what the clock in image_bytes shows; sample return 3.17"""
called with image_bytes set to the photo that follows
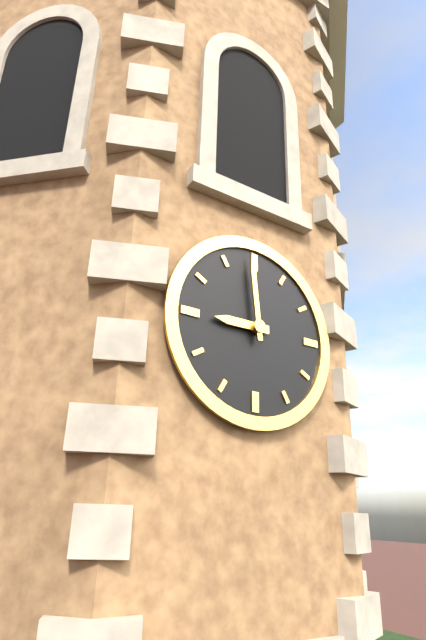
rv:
8.59
